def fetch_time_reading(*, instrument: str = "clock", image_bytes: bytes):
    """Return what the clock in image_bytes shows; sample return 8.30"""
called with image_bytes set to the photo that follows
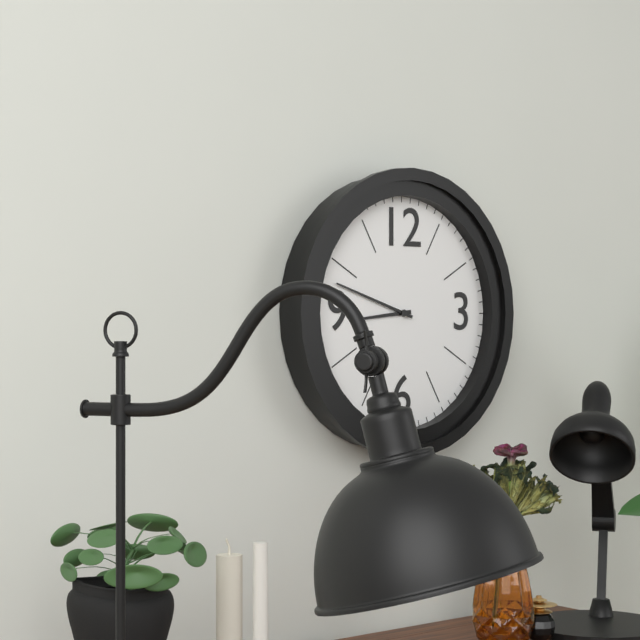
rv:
8.48
